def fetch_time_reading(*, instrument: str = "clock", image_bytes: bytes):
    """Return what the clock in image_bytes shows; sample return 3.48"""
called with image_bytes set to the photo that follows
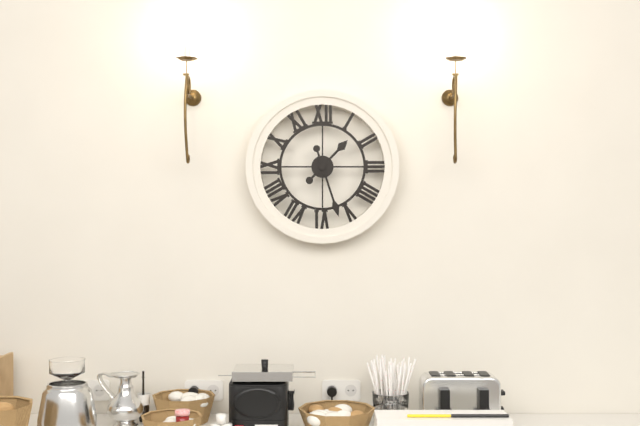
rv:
1.27
